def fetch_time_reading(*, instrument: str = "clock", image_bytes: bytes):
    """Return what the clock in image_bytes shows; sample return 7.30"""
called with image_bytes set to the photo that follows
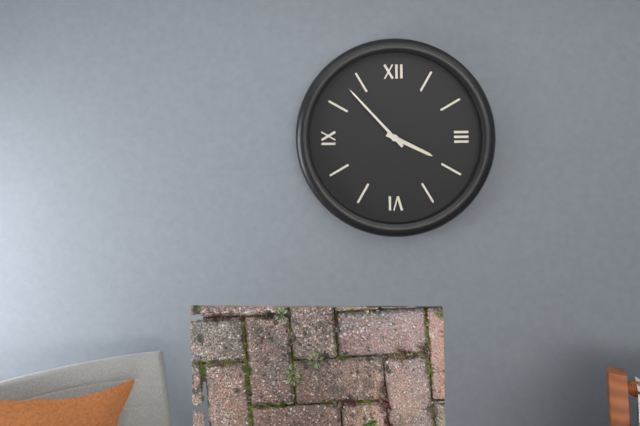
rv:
3.53
